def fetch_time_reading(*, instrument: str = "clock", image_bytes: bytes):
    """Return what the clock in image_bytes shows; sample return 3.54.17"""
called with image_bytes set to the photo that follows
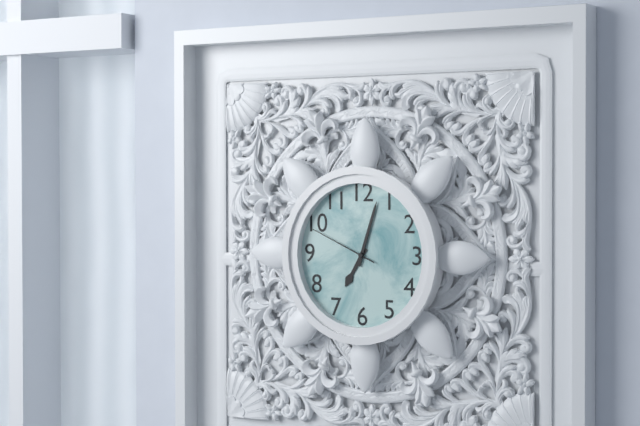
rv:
7.03.49
